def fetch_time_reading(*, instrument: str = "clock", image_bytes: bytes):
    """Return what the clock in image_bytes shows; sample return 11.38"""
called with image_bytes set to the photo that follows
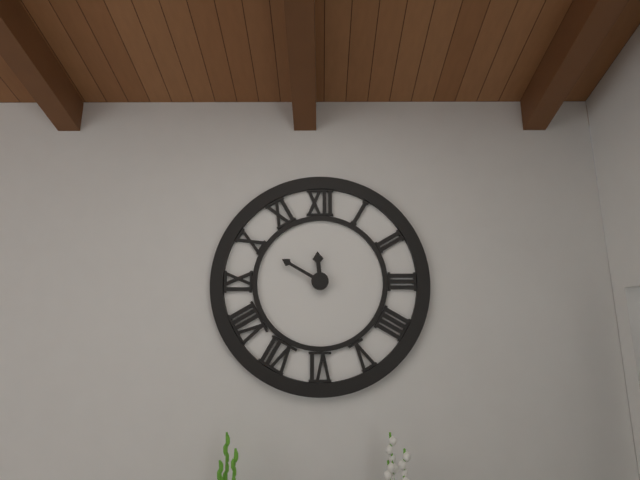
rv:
11.50
